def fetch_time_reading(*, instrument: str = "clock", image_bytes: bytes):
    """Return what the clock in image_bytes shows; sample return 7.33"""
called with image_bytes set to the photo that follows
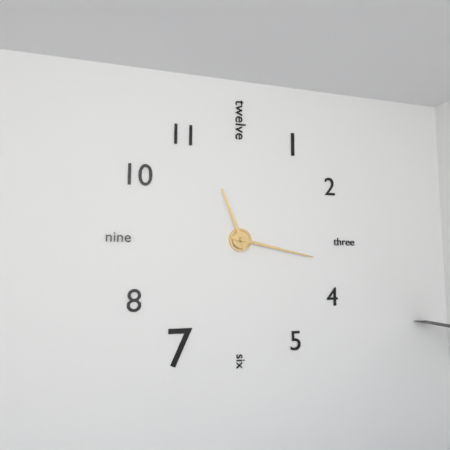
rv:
11.17
